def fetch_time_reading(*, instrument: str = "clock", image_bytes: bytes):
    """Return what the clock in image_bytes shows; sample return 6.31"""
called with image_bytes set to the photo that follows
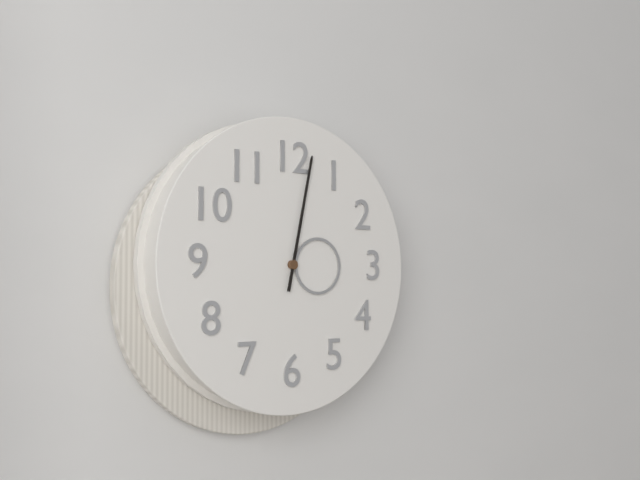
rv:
3.02
